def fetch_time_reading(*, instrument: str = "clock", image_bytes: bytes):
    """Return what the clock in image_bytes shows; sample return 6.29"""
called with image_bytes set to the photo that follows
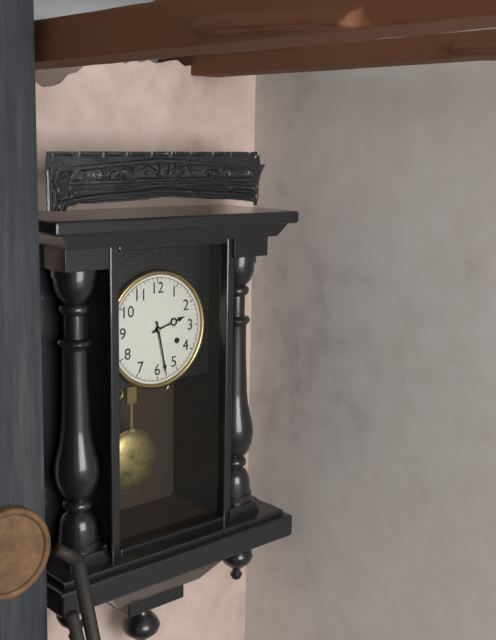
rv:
2.28
